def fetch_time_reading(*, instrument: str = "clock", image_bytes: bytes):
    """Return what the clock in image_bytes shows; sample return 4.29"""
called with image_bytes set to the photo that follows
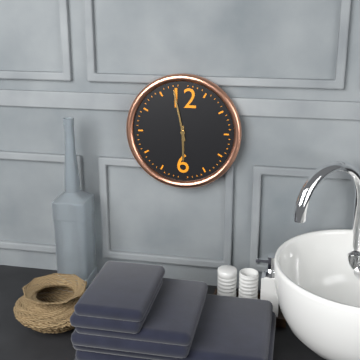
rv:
5.58
